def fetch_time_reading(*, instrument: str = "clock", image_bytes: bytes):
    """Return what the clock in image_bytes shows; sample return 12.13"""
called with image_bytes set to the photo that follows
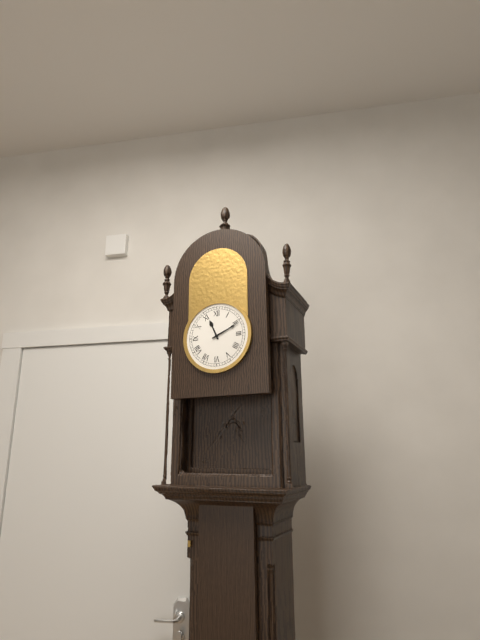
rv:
11.11
